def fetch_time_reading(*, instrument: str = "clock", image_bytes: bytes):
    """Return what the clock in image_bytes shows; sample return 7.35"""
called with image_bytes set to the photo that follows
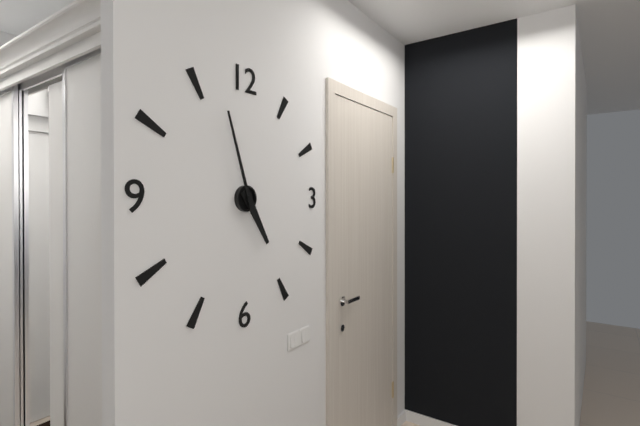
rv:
4.57
